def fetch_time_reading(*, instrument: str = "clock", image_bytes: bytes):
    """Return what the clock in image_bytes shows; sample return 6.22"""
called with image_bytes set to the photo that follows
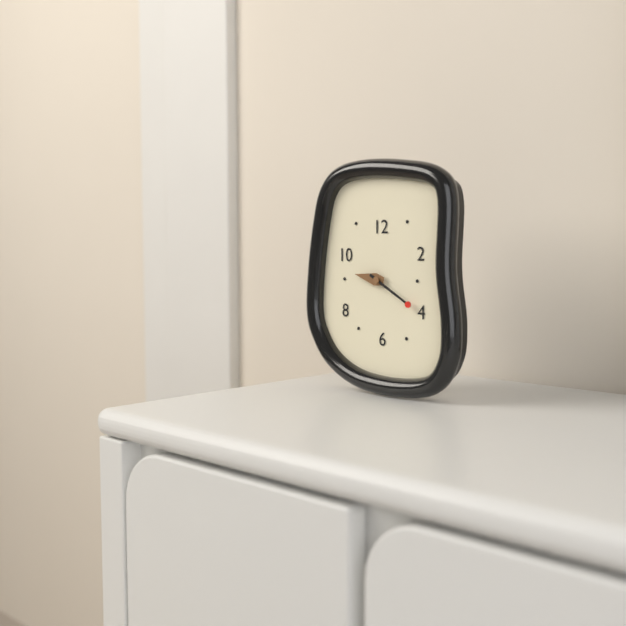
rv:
9.20
